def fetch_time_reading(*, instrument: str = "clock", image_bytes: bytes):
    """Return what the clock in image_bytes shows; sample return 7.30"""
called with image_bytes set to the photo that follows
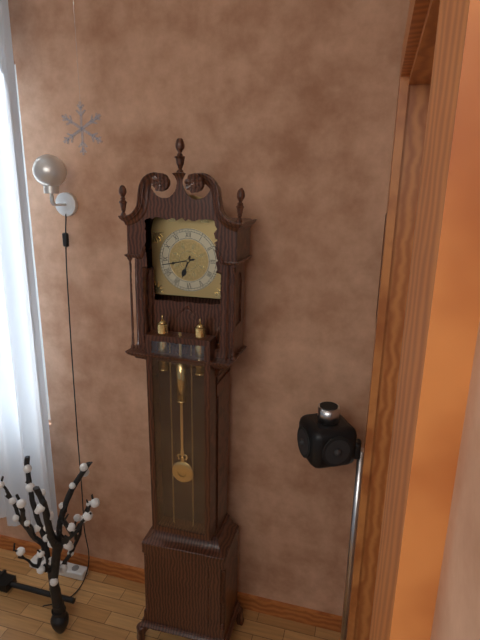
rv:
6.43
